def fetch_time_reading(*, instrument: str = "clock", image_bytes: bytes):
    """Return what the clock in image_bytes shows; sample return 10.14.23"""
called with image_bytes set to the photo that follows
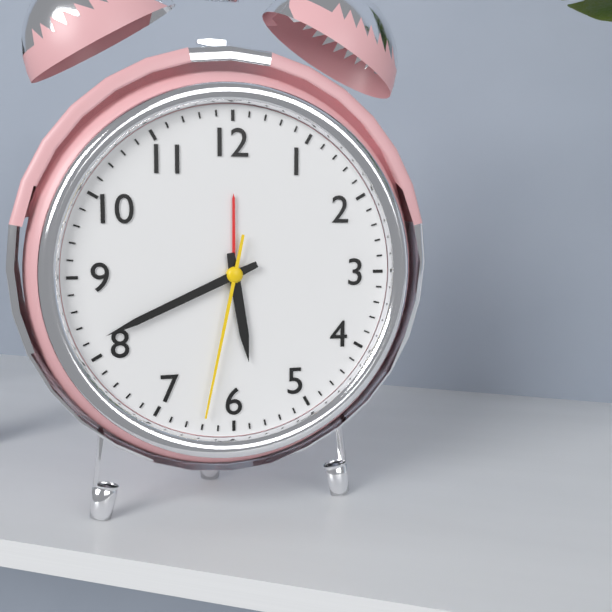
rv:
5.41.32
